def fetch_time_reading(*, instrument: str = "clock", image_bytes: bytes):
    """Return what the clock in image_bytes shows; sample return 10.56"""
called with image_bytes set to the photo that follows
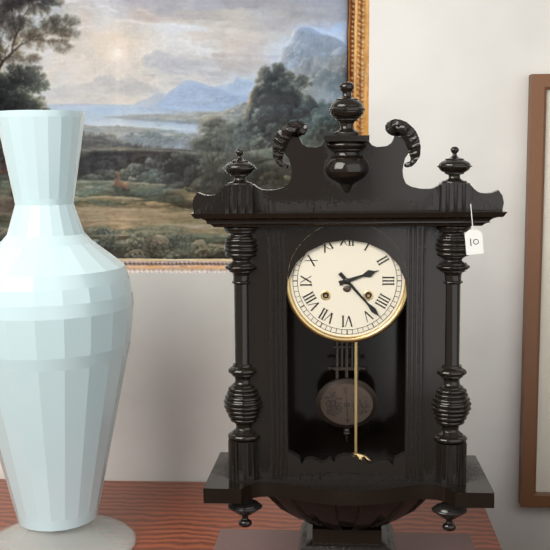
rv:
2.23
